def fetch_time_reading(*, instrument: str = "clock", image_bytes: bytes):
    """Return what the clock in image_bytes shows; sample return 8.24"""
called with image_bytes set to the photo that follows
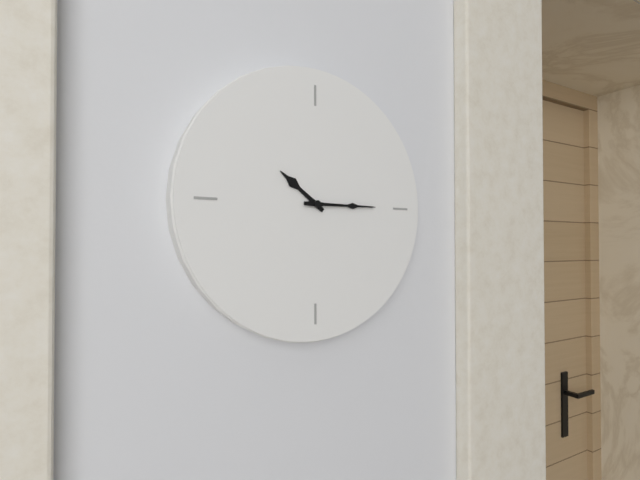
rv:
10.15
